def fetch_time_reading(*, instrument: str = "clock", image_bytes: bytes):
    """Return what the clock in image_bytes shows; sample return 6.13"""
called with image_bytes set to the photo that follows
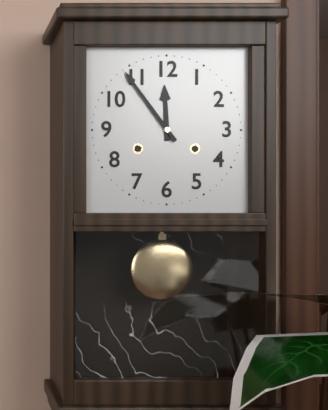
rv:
11.54
